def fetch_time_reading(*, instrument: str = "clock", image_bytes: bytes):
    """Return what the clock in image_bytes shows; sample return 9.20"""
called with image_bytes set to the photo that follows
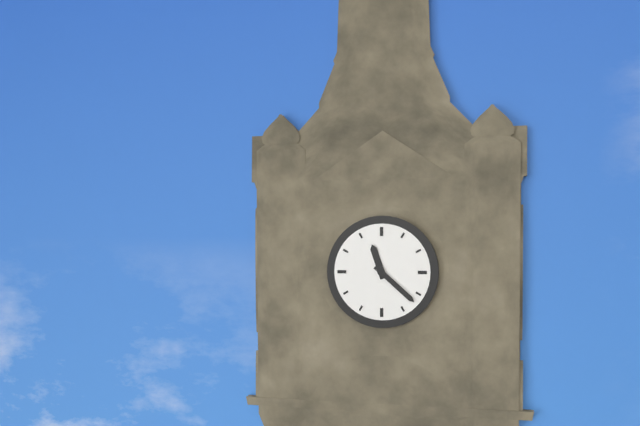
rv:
11.22
